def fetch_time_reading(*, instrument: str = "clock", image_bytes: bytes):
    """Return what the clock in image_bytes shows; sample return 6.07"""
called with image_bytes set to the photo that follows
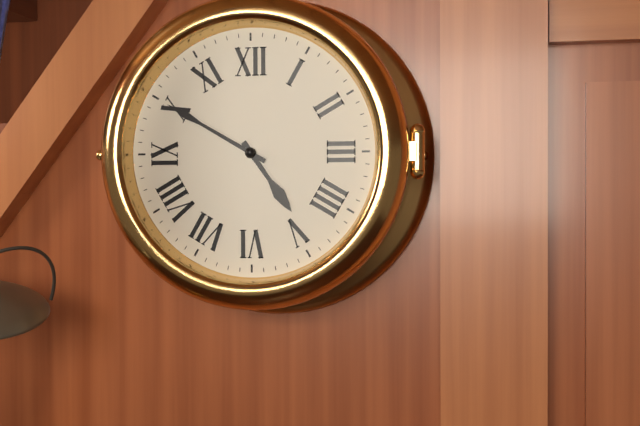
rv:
4.50
